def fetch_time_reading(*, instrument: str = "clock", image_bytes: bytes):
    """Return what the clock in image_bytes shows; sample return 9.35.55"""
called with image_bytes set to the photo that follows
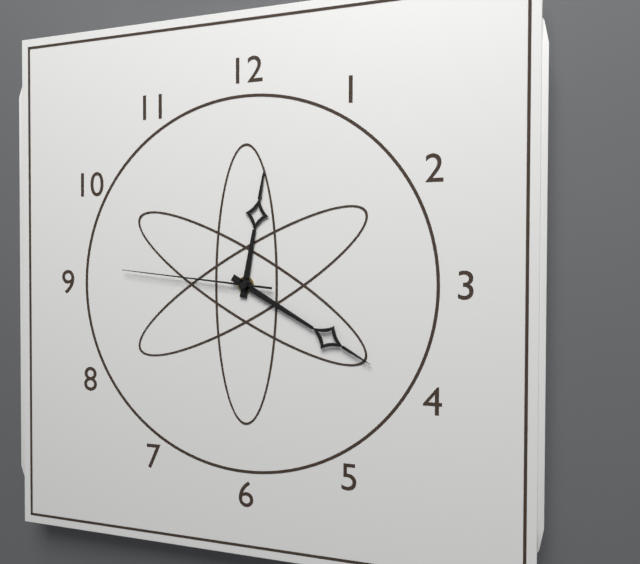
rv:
12.20.46
